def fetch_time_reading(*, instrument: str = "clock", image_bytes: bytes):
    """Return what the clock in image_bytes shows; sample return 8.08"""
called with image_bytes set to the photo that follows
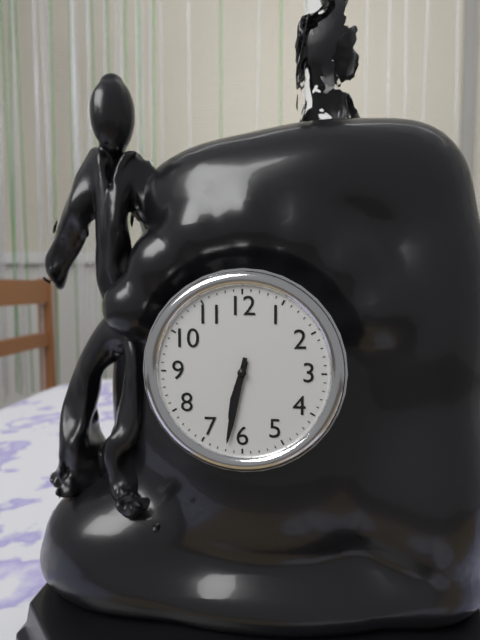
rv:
6.32
